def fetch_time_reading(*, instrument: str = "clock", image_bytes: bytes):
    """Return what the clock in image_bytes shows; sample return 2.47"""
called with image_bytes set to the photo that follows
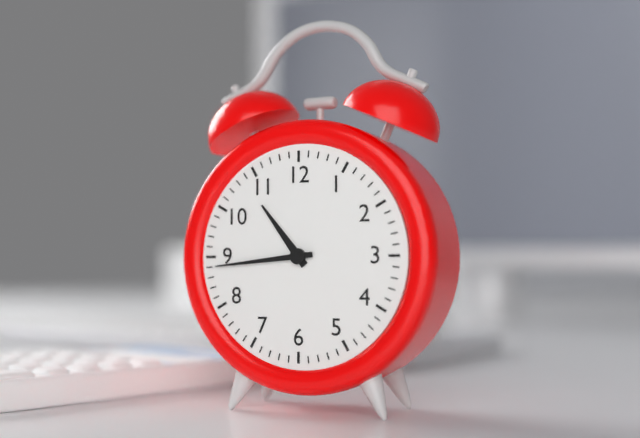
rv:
10.44
